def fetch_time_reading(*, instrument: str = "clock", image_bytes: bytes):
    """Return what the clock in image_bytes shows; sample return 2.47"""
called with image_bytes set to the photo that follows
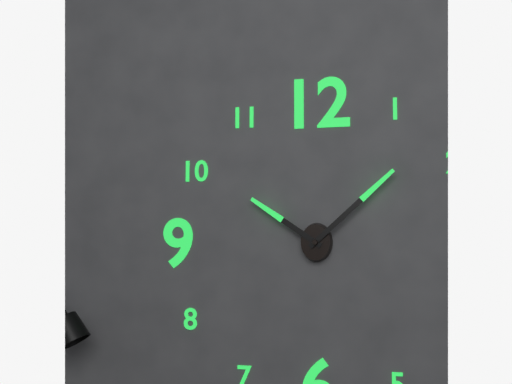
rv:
10.08
